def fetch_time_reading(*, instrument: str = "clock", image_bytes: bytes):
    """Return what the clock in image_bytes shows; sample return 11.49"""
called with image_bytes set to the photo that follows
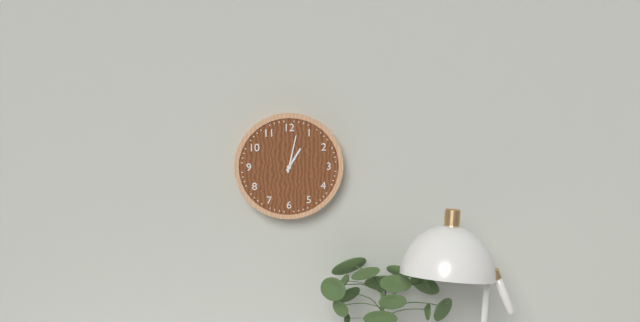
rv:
1.02
